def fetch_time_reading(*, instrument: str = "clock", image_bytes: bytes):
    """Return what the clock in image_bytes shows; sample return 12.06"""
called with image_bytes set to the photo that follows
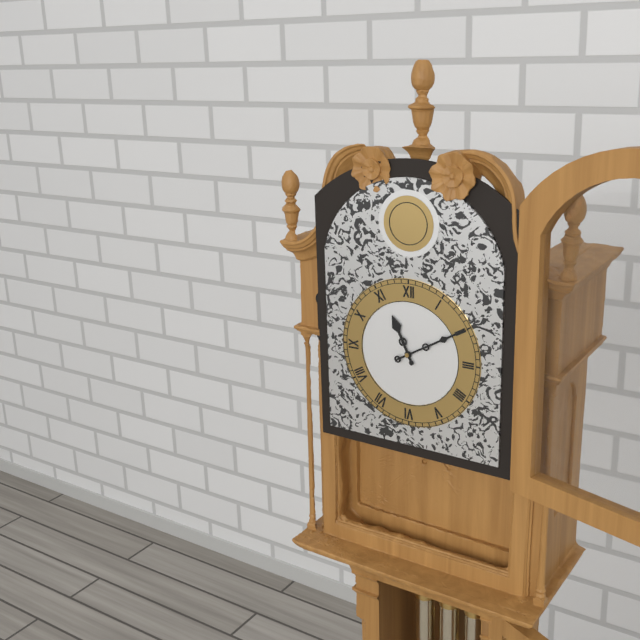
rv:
11.10
